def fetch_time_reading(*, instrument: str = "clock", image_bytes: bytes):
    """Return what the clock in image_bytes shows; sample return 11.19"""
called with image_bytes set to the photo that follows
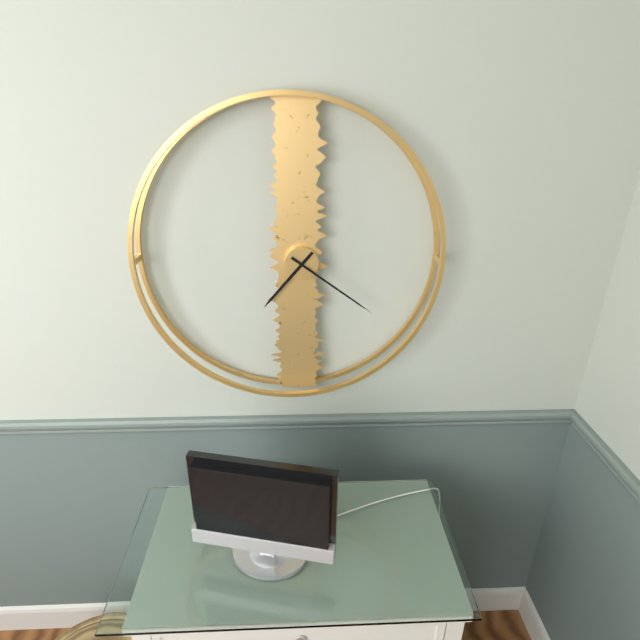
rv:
7.21
